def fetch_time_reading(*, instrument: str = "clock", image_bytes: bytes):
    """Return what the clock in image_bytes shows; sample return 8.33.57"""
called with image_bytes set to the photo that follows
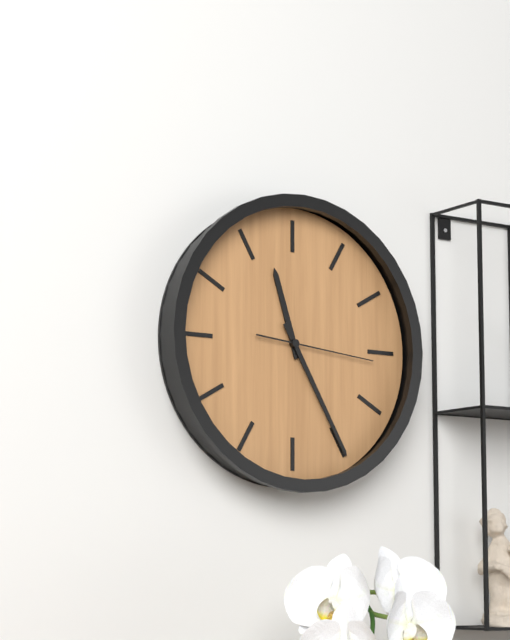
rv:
11.25.16
